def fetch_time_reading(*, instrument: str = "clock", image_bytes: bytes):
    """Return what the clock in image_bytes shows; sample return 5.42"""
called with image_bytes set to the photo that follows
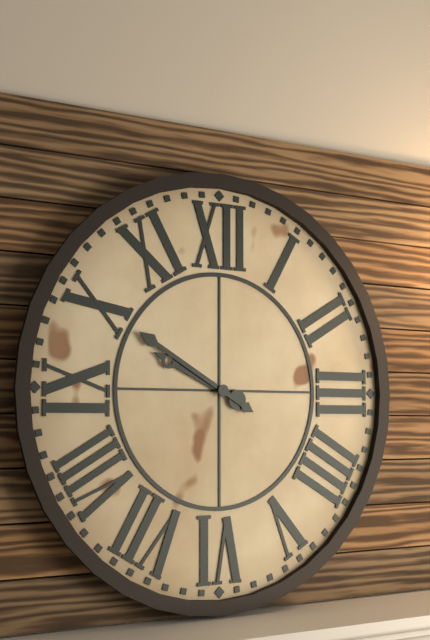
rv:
9.50
